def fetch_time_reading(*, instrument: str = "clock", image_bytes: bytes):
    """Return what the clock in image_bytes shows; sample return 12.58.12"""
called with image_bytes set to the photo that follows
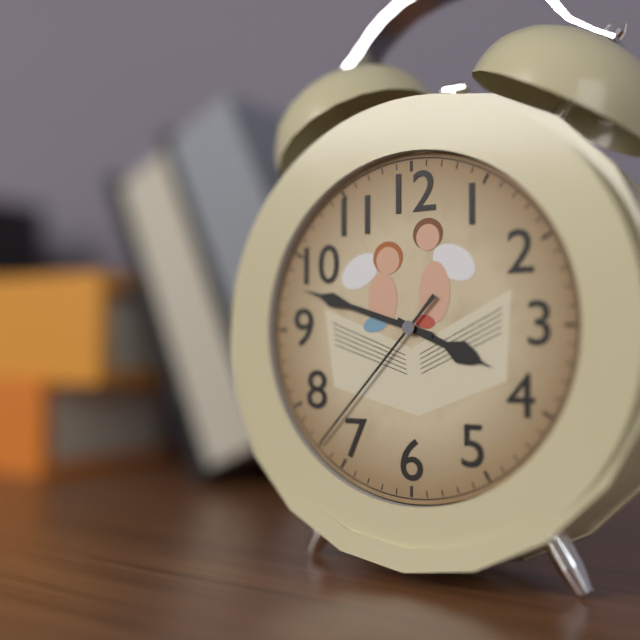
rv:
3.48.37
